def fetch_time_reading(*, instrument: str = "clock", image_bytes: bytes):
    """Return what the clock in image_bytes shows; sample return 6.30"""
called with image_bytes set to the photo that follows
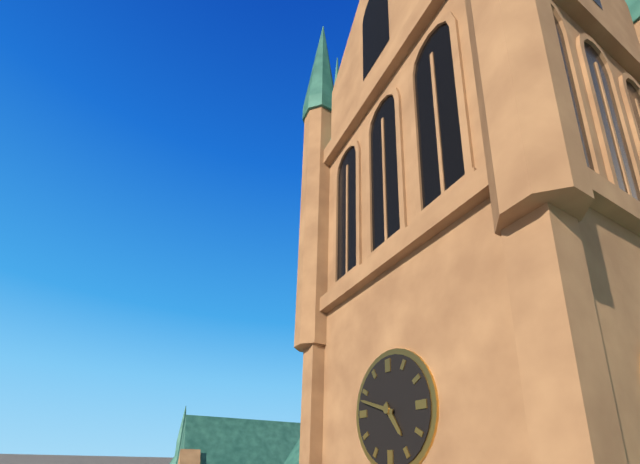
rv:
4.48
